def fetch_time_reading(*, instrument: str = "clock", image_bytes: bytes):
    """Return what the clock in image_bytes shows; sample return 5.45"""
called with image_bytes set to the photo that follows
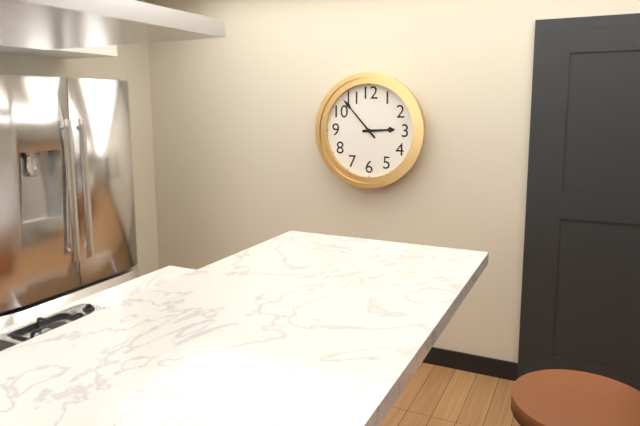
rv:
2.53
